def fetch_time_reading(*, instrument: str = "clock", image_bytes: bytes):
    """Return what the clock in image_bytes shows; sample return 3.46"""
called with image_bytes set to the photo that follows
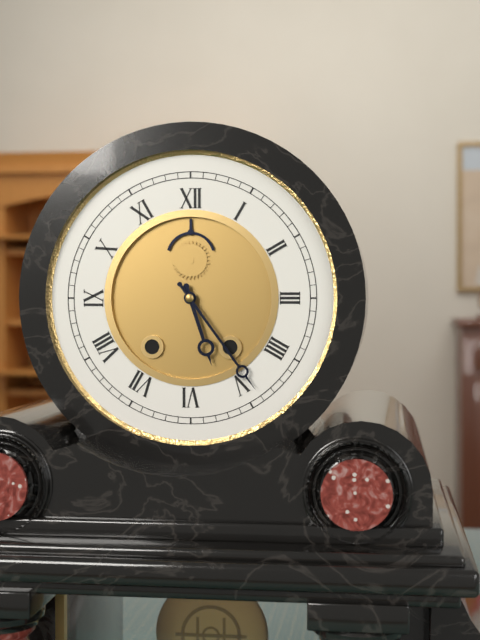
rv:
5.24
